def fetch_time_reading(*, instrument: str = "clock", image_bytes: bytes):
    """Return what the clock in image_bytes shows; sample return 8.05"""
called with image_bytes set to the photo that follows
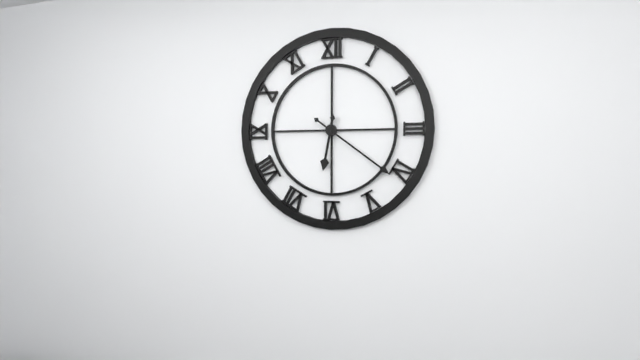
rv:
6.21
